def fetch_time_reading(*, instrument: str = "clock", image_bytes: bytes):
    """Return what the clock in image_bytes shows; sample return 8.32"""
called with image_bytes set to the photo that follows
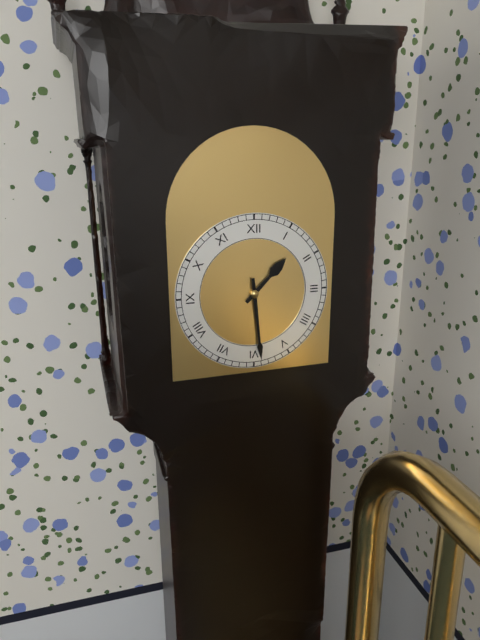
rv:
1.29
